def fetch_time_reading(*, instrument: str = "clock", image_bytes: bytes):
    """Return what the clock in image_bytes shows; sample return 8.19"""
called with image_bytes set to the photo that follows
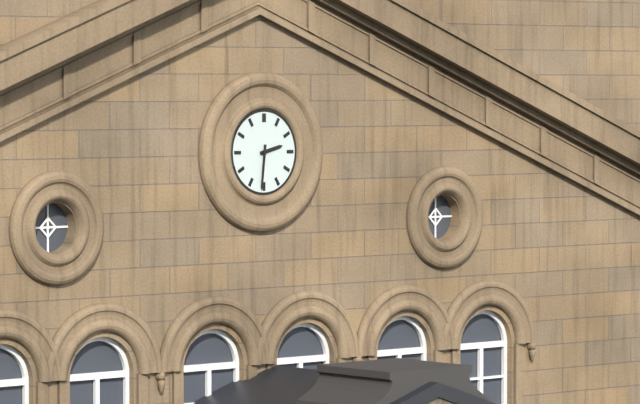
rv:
2.31
